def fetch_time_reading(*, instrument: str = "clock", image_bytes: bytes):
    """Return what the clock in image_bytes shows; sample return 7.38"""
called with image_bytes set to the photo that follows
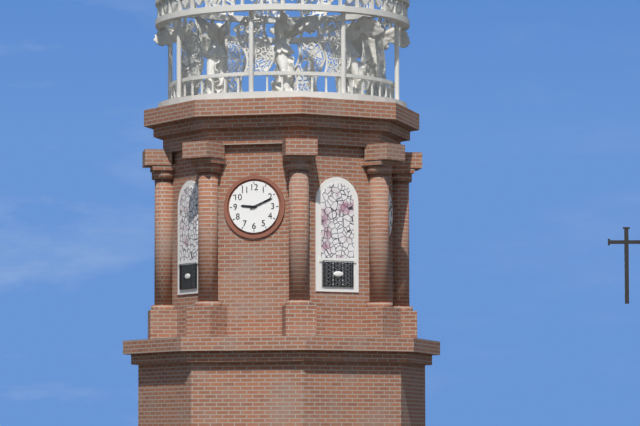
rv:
9.11
